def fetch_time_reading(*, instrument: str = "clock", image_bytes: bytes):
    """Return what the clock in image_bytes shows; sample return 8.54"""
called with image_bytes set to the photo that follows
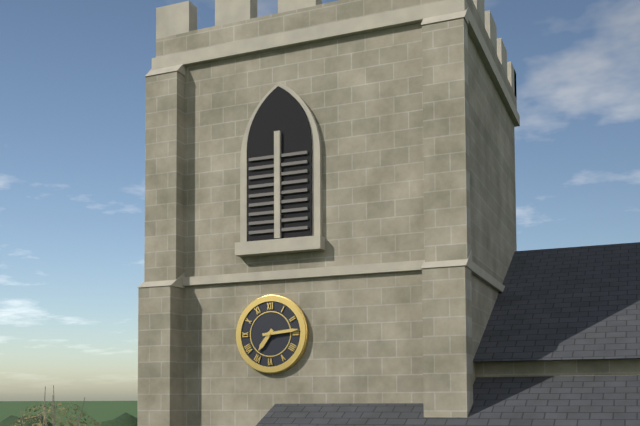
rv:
7.14
